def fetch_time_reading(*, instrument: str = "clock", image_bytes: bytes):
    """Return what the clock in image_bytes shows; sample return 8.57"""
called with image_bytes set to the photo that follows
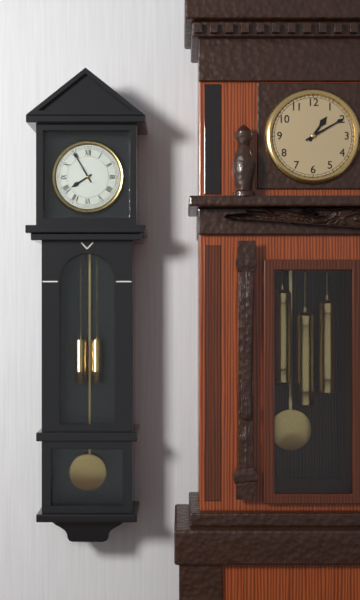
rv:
7.55
